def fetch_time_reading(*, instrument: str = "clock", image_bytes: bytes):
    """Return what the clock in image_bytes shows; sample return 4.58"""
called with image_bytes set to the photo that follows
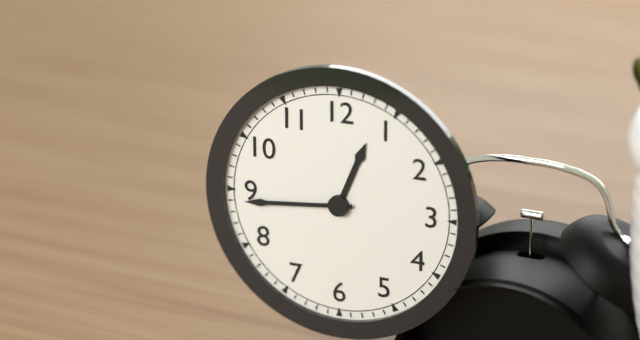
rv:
12.44
